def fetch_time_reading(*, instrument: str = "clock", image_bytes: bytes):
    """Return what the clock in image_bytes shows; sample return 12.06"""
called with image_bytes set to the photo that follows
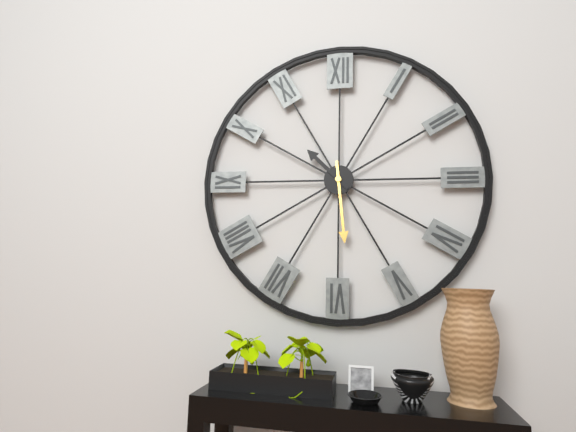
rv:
10.29
